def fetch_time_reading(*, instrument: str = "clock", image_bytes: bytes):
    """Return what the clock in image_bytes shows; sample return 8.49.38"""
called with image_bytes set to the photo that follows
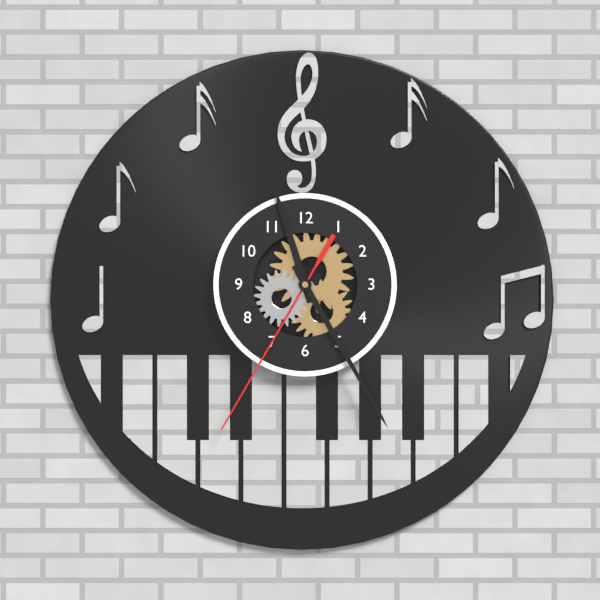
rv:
11.25.35
